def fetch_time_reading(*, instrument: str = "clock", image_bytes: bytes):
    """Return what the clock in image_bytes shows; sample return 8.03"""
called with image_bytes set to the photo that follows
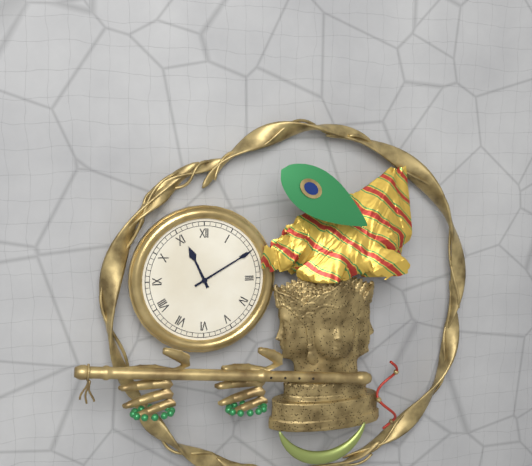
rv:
11.10
